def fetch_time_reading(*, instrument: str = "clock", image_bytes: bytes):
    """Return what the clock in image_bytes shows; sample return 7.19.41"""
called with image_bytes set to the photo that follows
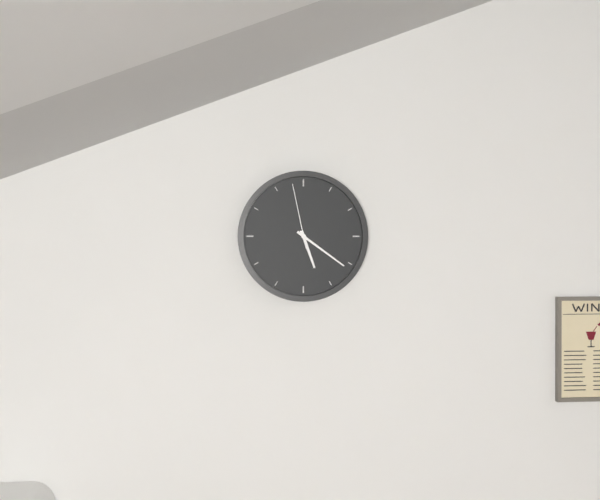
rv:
5.21.58
